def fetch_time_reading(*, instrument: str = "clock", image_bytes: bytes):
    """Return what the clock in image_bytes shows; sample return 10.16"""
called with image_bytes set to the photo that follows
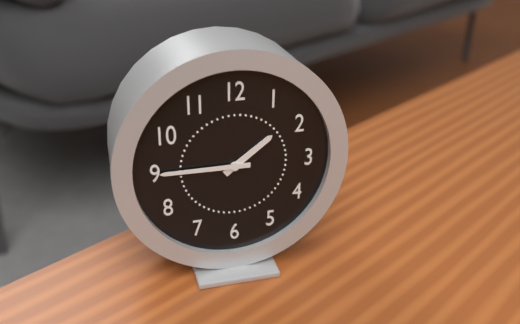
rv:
1.45
